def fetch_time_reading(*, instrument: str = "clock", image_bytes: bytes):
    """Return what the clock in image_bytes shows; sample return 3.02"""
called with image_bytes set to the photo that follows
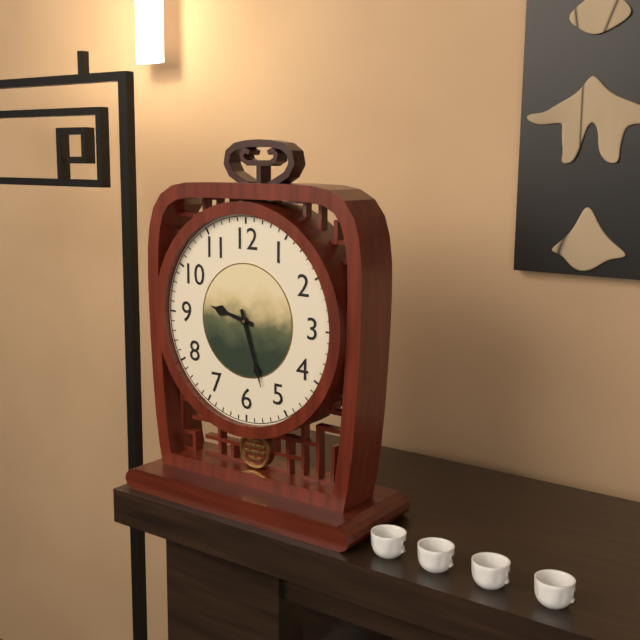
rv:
9.27
